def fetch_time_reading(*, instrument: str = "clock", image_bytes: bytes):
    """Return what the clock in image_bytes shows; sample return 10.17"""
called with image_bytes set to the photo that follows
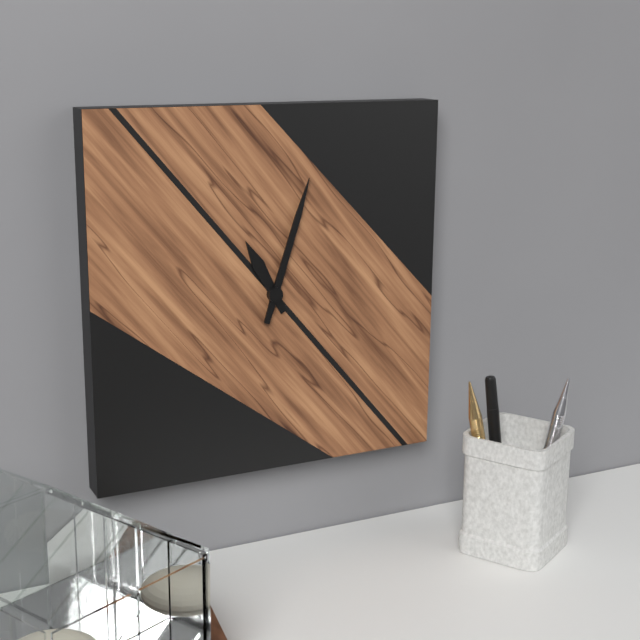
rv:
11.03
